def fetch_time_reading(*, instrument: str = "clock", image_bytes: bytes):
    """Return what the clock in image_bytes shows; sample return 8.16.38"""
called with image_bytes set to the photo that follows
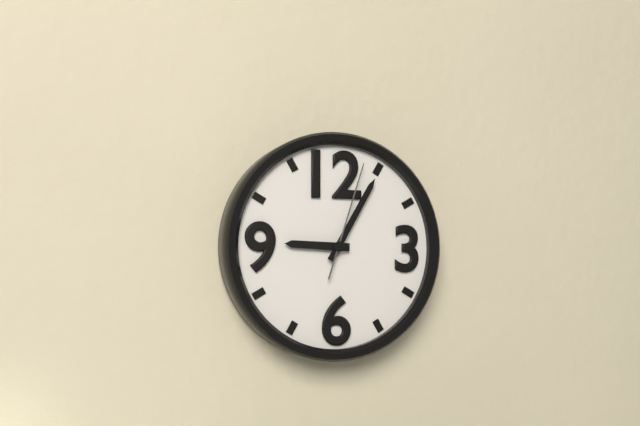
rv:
9.05.03
